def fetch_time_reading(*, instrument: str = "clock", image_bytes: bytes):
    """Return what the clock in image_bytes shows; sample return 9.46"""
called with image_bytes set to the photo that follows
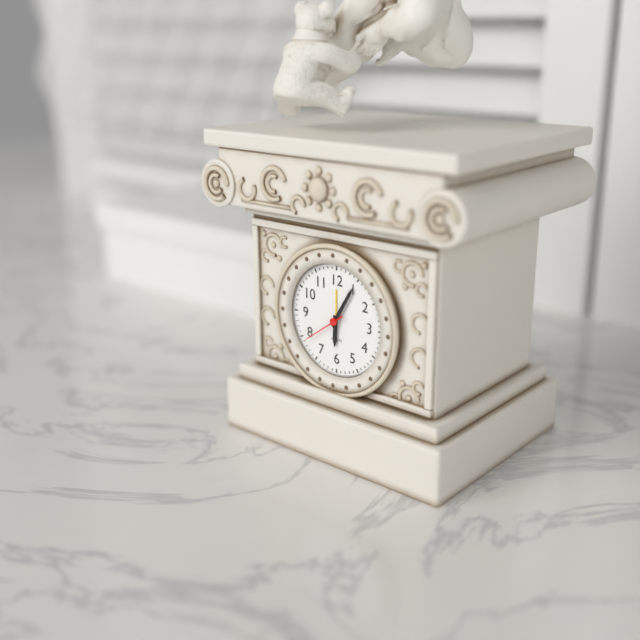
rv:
6.05
